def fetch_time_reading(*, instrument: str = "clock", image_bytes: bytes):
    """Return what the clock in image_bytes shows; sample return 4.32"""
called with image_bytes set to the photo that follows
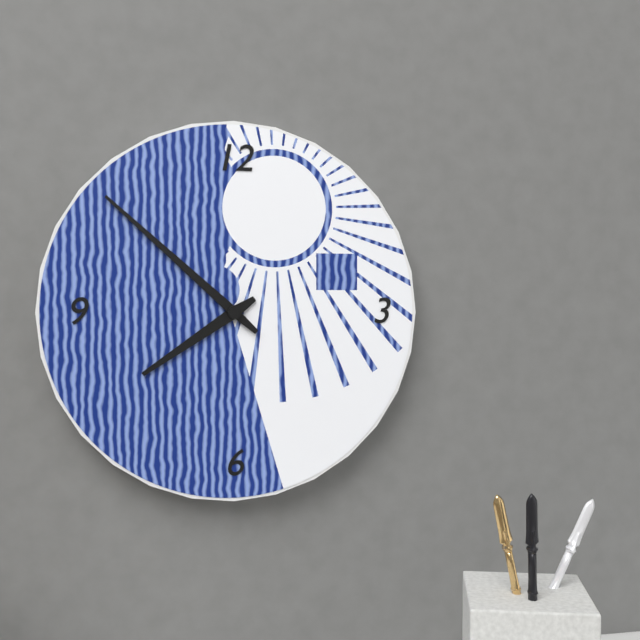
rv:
7.52
